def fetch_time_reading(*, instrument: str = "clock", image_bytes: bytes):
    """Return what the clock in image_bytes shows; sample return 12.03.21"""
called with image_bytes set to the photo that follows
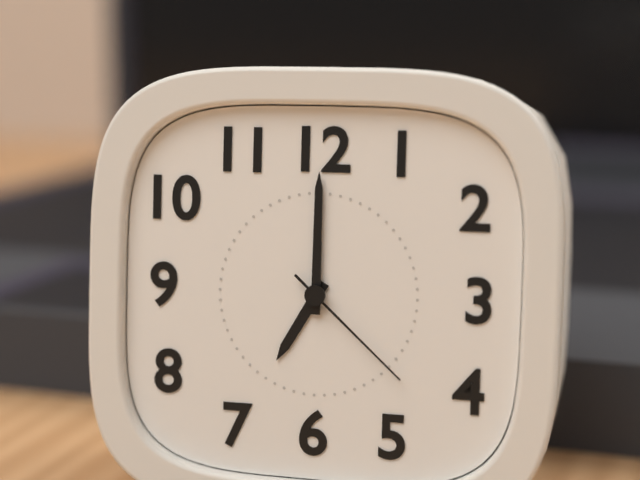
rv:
7.00.22
